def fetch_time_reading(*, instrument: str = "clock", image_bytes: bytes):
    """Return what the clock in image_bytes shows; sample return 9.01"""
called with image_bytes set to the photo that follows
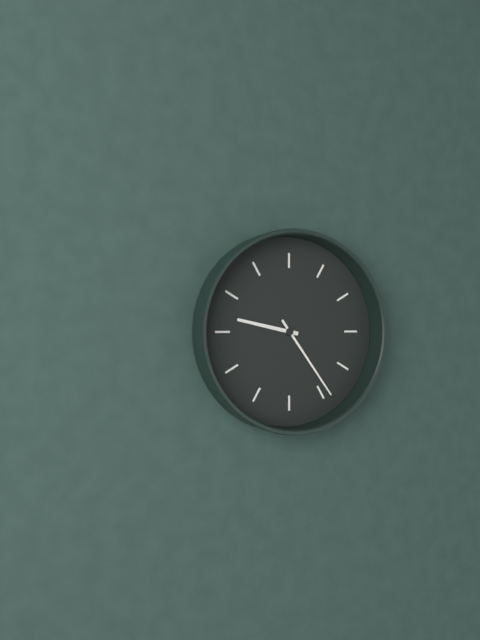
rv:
9.24
